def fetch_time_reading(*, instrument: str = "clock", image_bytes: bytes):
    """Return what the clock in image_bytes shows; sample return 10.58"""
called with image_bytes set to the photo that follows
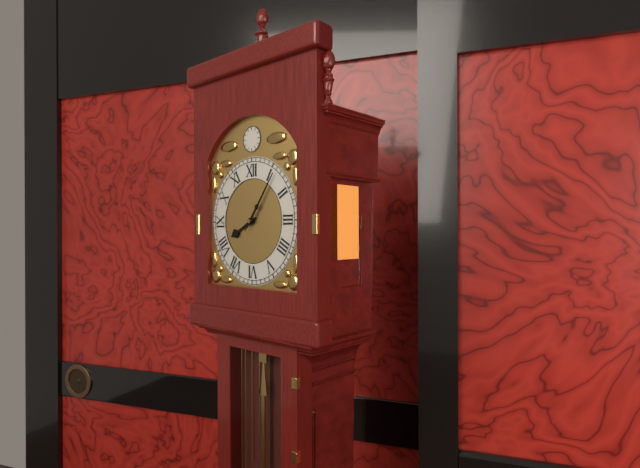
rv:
8.06
